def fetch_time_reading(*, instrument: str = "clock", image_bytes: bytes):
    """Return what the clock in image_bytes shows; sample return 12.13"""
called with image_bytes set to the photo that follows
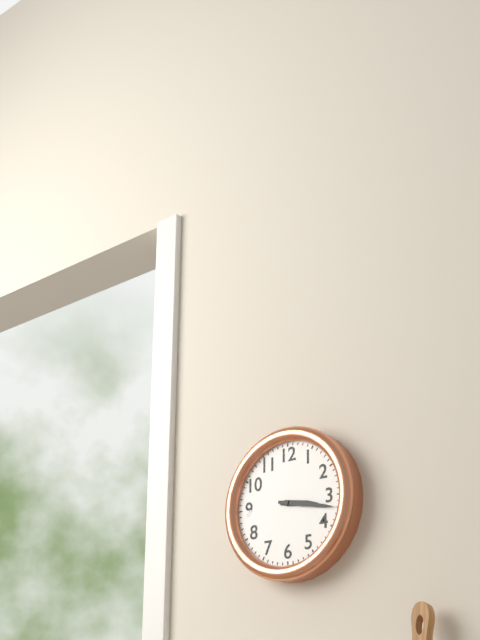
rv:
3.17
